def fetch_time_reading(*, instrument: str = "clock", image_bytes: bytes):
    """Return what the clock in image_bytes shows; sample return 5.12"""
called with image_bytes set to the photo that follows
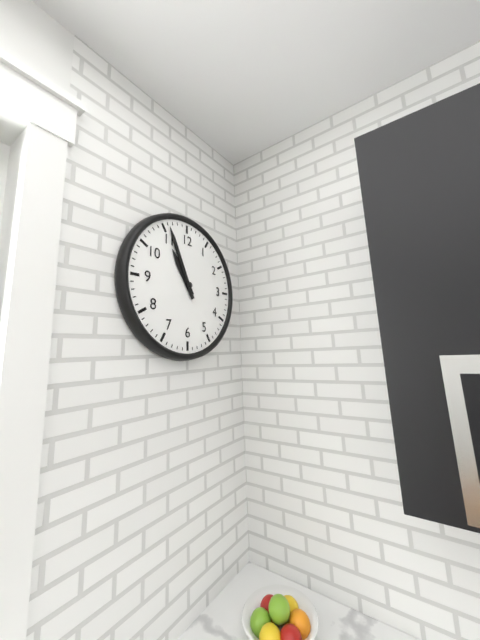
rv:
10.56
